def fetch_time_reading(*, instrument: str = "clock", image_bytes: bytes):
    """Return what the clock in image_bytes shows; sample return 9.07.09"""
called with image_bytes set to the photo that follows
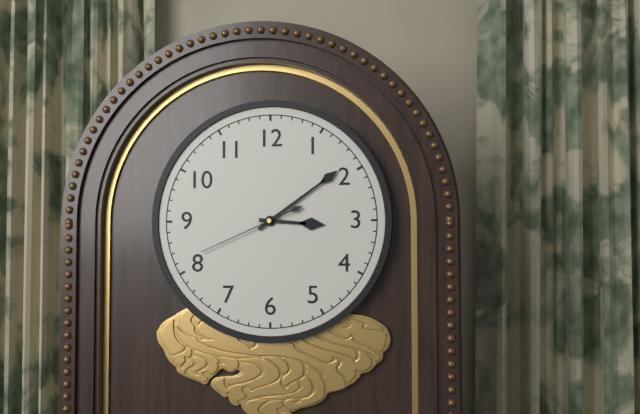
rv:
3.09.41
